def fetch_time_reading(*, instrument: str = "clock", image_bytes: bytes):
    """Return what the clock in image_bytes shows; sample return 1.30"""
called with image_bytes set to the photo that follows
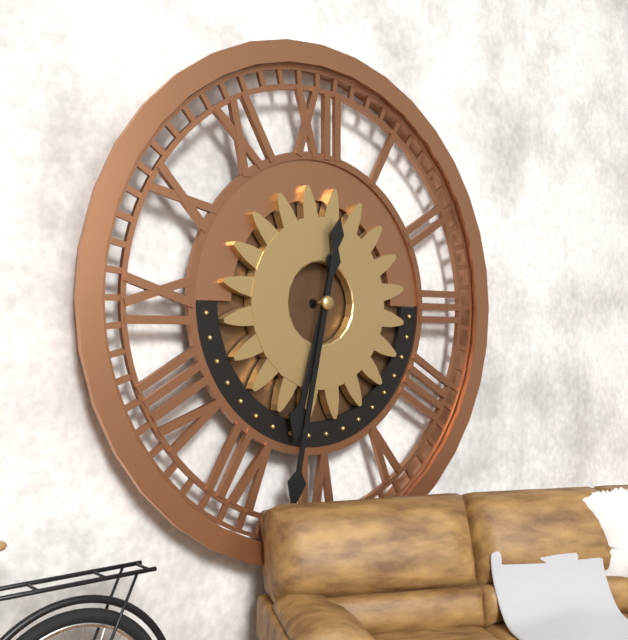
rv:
6.32
